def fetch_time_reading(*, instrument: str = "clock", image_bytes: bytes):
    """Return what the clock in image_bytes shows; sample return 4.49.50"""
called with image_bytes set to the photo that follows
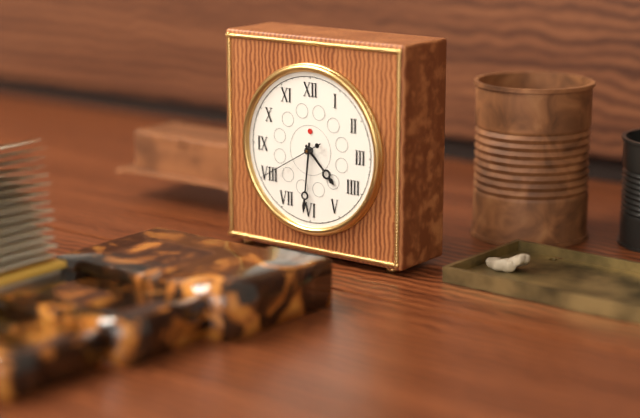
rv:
4.31.40
